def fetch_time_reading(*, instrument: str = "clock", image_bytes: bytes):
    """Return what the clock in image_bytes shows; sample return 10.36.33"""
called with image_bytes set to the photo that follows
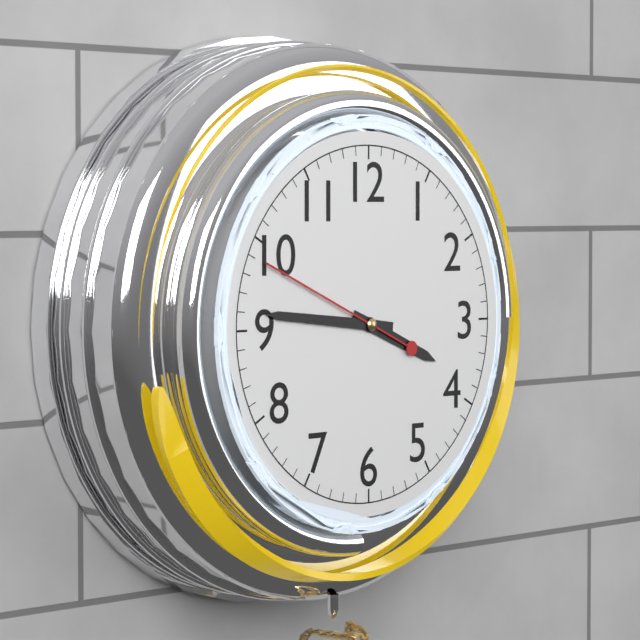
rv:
3.46.49
